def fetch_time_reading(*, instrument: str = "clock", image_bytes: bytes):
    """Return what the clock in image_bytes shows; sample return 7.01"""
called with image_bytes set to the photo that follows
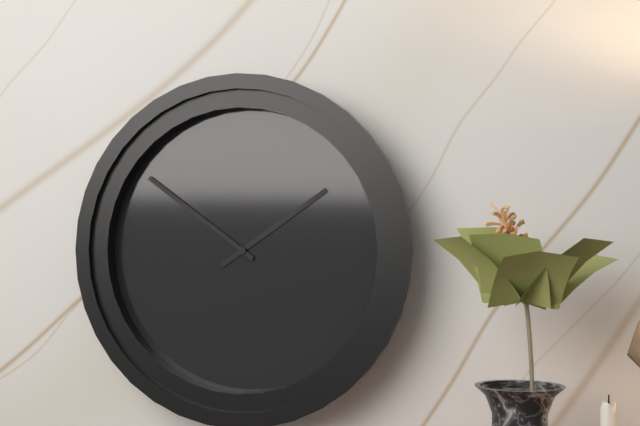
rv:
1.51
